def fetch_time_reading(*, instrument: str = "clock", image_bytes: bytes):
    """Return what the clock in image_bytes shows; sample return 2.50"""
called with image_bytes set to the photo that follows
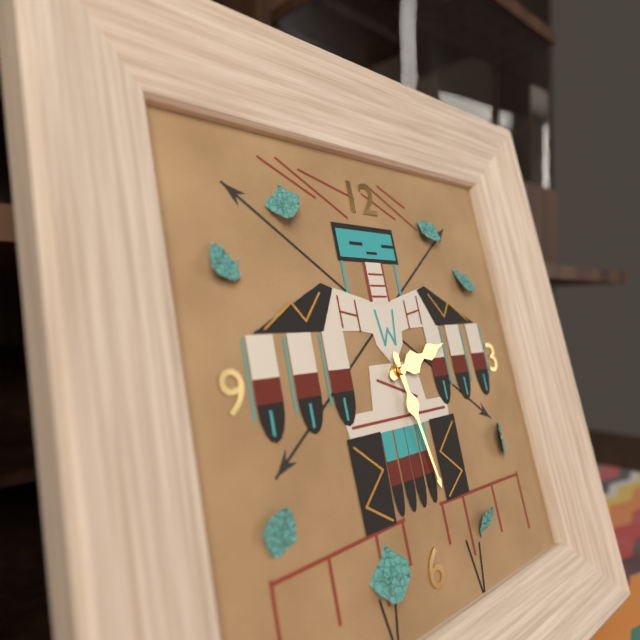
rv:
2.28
